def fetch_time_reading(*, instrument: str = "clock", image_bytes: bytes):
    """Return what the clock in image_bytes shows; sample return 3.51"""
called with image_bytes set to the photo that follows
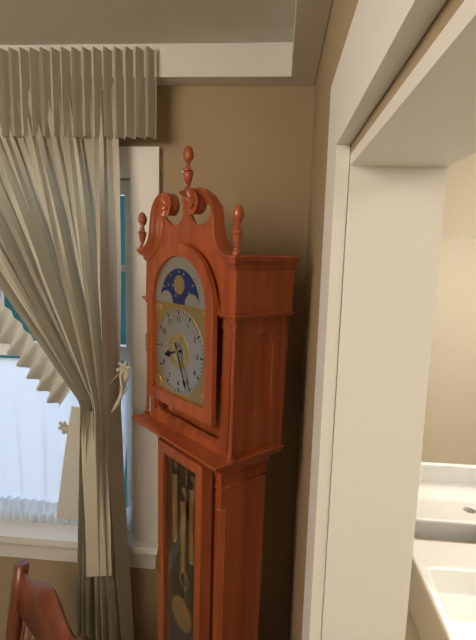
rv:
8.26
